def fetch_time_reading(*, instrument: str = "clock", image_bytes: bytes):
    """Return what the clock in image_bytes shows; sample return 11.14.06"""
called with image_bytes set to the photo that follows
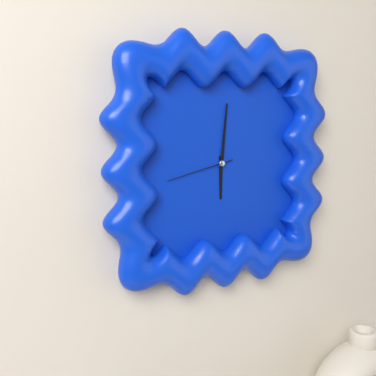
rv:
6.01.43
